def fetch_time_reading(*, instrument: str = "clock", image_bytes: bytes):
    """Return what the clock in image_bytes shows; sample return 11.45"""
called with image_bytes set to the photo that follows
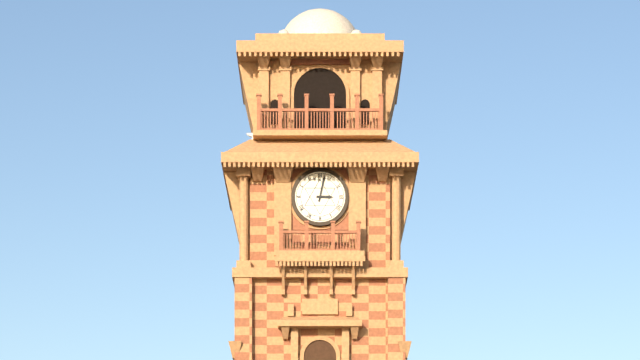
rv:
3.02
